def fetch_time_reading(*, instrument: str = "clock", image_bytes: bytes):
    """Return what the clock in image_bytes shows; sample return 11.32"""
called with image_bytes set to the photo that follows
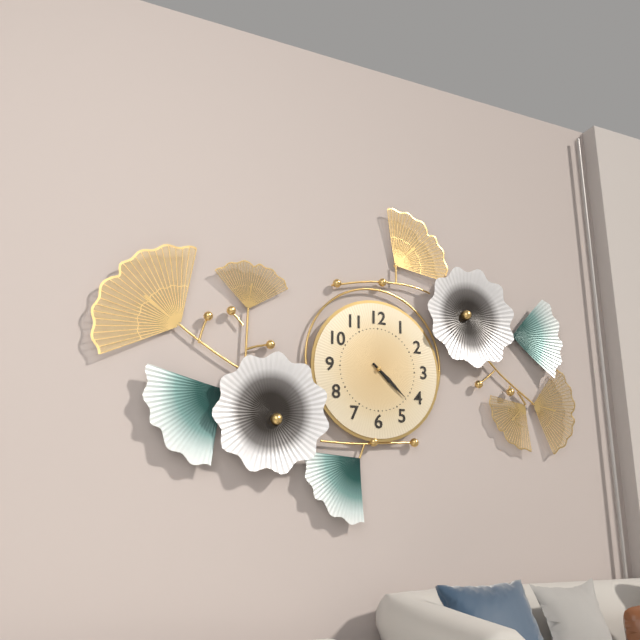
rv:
4.22
